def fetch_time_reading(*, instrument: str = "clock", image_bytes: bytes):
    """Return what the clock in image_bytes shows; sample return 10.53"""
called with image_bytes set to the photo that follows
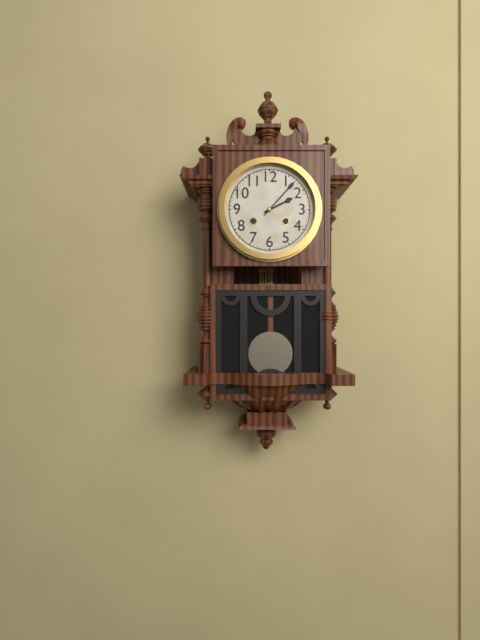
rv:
2.07
